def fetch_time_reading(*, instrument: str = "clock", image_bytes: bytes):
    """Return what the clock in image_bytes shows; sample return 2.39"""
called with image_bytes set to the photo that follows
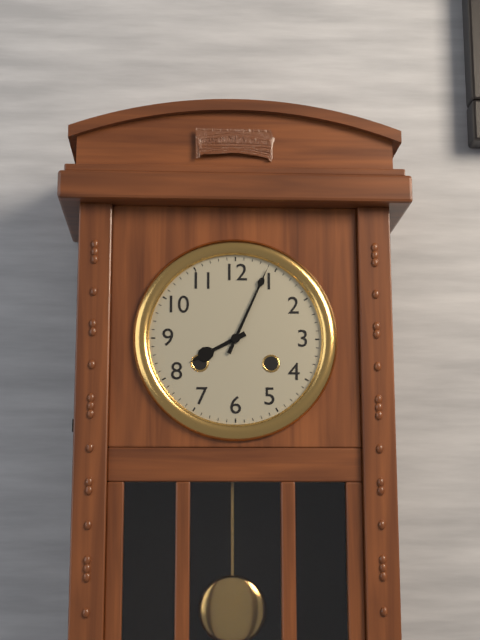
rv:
8.04
